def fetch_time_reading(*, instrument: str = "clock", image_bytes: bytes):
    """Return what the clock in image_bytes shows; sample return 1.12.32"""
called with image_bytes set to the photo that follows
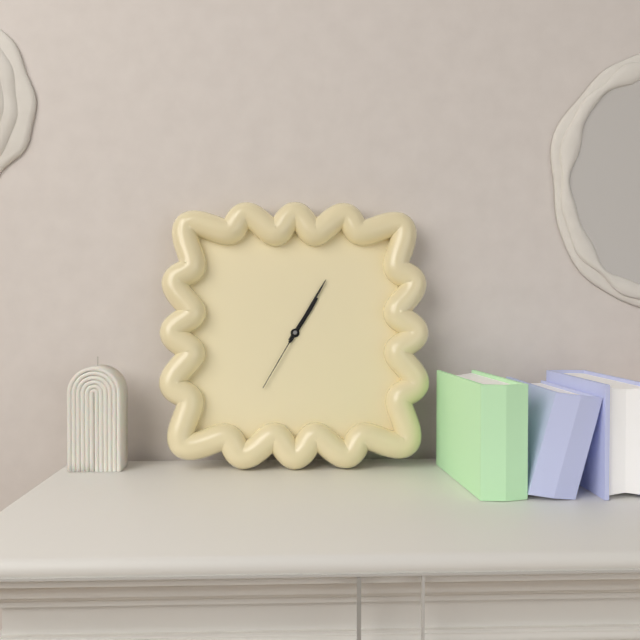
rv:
1.05.35
